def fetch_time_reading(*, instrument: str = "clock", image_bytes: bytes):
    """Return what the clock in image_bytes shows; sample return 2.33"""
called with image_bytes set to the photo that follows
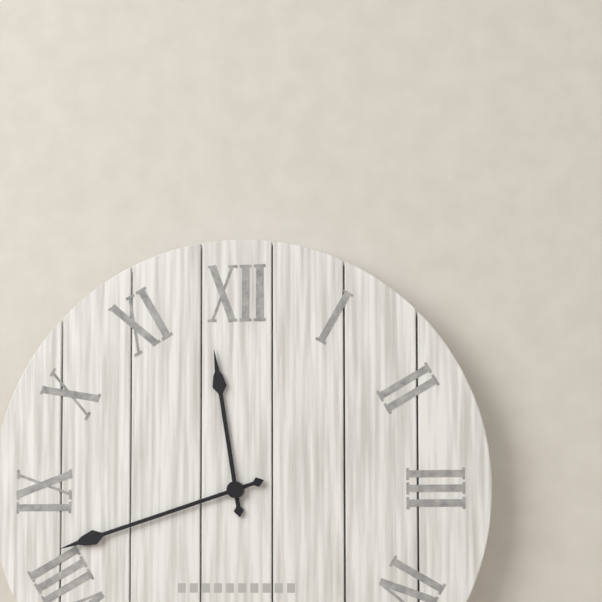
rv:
11.42
